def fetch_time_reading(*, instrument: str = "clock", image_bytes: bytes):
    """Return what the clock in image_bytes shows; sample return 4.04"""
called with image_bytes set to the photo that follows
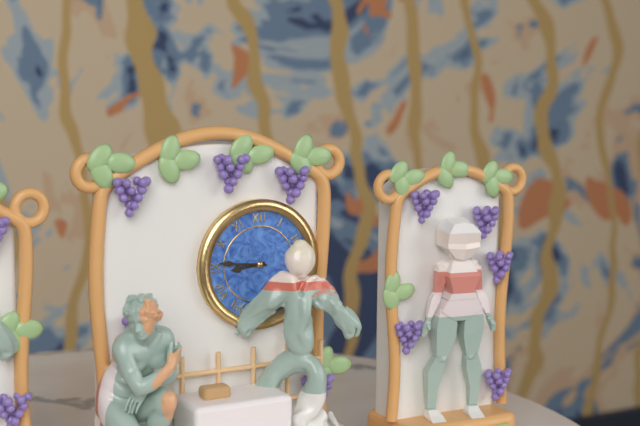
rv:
8.46
